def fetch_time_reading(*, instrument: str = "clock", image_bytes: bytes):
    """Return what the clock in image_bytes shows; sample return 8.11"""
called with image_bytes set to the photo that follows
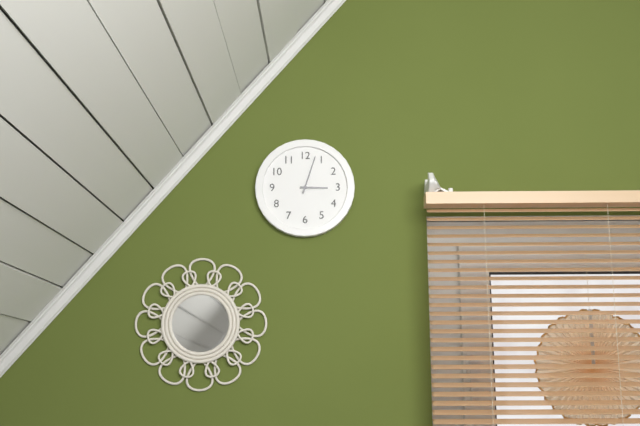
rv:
3.03
